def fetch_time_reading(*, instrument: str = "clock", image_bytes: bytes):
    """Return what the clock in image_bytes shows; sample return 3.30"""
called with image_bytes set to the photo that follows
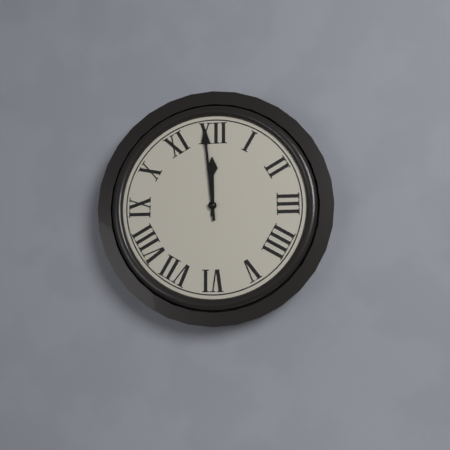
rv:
11.59
